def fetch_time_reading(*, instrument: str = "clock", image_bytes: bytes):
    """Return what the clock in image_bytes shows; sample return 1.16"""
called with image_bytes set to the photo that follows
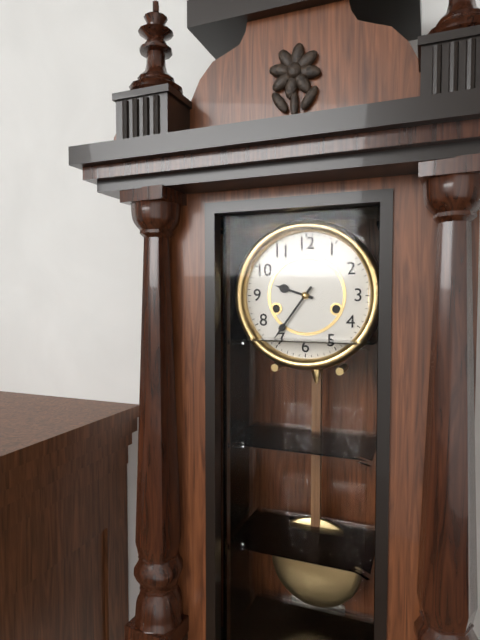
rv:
9.36
